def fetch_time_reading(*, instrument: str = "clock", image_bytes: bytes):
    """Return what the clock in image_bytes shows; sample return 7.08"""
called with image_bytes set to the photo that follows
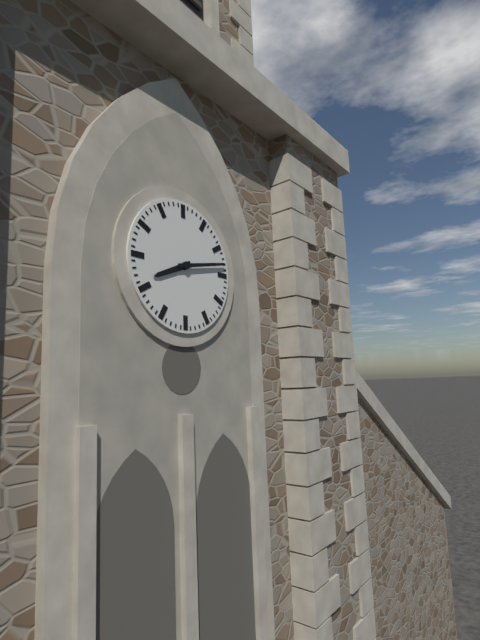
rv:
8.13
